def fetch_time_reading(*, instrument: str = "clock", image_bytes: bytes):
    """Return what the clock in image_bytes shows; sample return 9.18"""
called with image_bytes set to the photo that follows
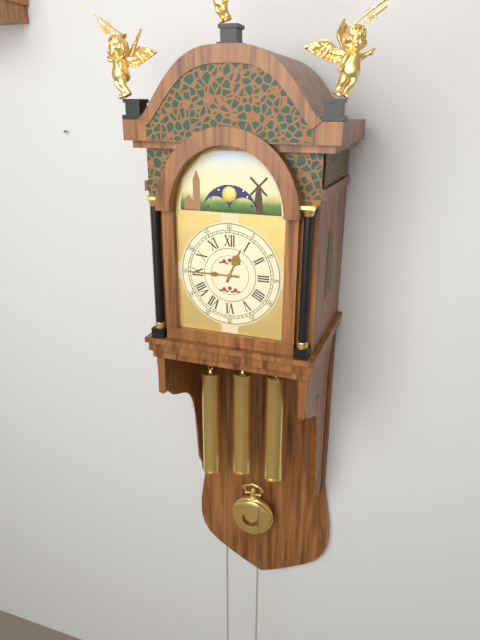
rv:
12.45
